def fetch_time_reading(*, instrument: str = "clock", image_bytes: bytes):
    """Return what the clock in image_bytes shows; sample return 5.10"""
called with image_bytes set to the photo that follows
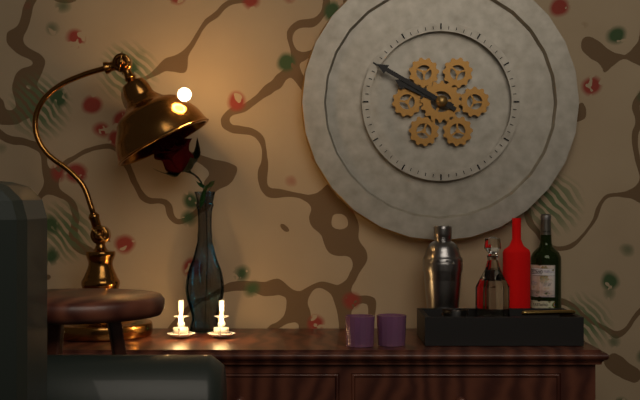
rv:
9.50
